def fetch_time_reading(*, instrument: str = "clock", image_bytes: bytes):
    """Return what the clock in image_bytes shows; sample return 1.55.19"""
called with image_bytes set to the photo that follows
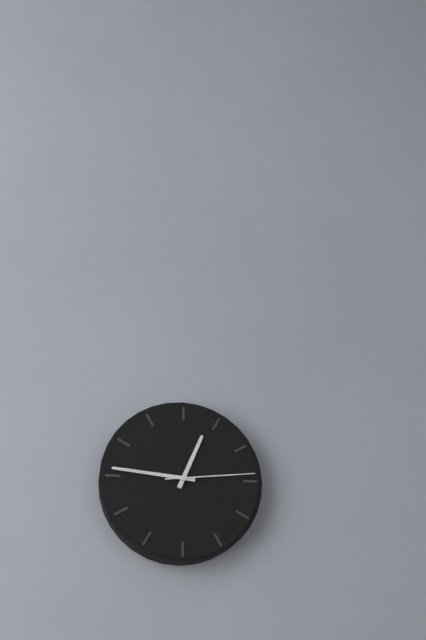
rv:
12.46.14
